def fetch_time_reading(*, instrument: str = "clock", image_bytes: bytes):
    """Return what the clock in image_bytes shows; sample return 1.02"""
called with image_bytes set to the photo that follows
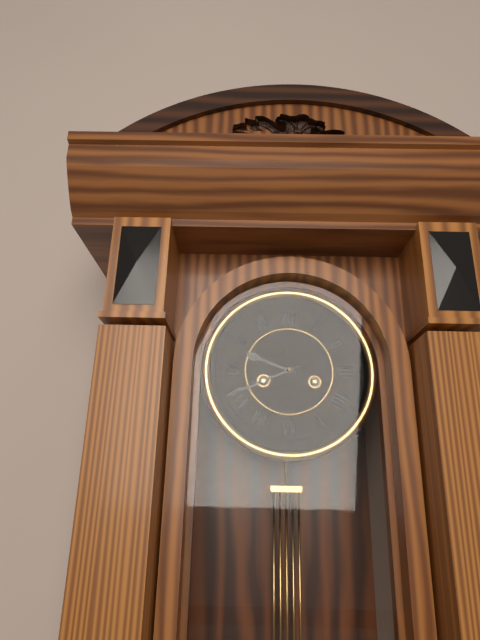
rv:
9.41
